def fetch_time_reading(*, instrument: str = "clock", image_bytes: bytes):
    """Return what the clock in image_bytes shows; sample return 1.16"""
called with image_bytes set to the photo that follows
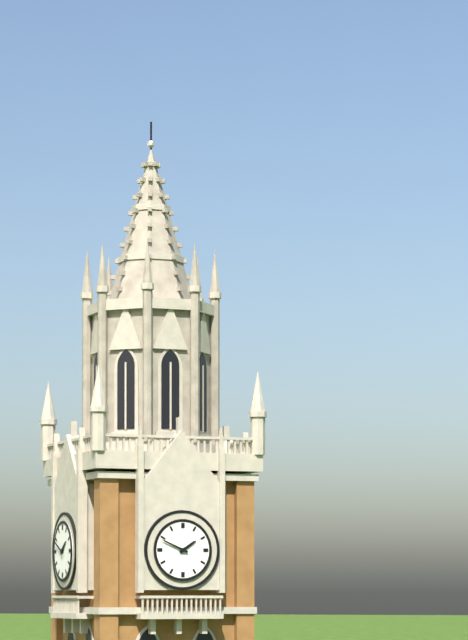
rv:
1.49
